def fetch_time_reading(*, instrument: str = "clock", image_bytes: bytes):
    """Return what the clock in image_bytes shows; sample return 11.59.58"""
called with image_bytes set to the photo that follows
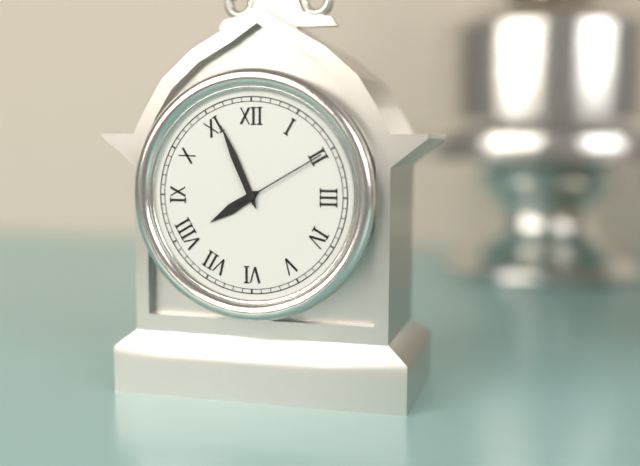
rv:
7.56.10
